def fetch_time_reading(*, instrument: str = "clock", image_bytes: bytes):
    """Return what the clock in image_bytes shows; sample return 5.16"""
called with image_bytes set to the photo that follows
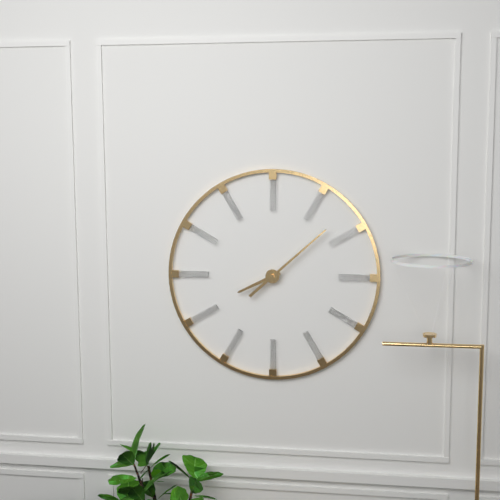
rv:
8.08
